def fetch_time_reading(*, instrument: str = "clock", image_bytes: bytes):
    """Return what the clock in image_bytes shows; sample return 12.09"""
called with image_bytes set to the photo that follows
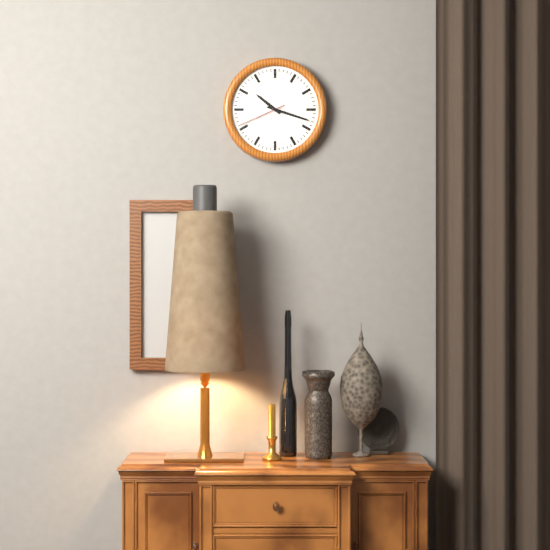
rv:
10.18
